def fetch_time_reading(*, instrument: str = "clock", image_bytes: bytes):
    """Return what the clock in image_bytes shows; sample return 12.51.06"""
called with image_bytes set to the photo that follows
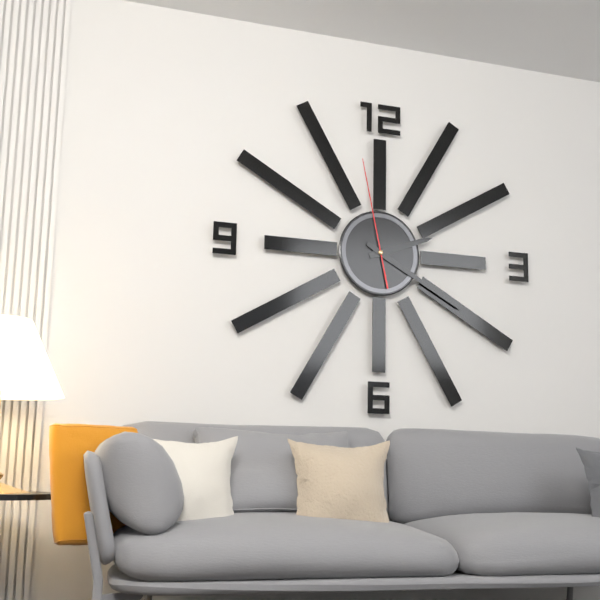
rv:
2.20.58
